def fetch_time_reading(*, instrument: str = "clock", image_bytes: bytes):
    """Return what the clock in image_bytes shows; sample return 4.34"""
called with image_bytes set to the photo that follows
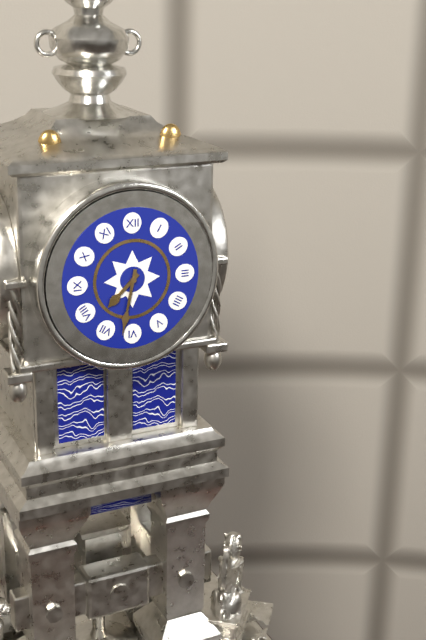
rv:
7.32
